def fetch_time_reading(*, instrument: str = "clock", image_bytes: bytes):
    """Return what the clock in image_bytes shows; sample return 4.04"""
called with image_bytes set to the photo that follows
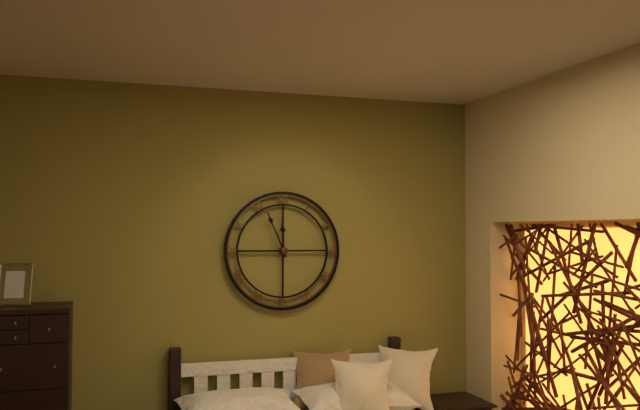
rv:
11.56
